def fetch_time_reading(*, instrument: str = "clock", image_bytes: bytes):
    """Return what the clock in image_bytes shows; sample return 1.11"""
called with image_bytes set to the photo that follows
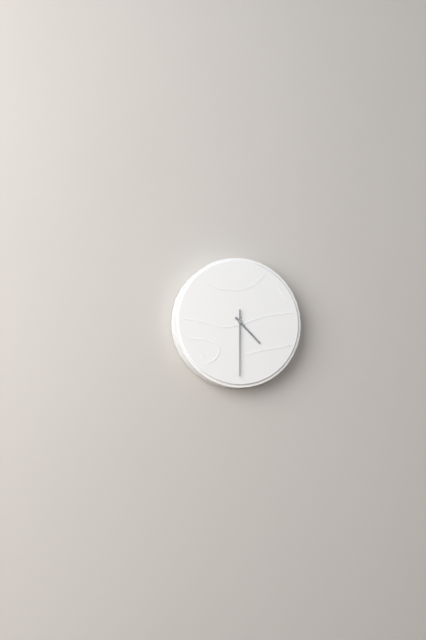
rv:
4.30
